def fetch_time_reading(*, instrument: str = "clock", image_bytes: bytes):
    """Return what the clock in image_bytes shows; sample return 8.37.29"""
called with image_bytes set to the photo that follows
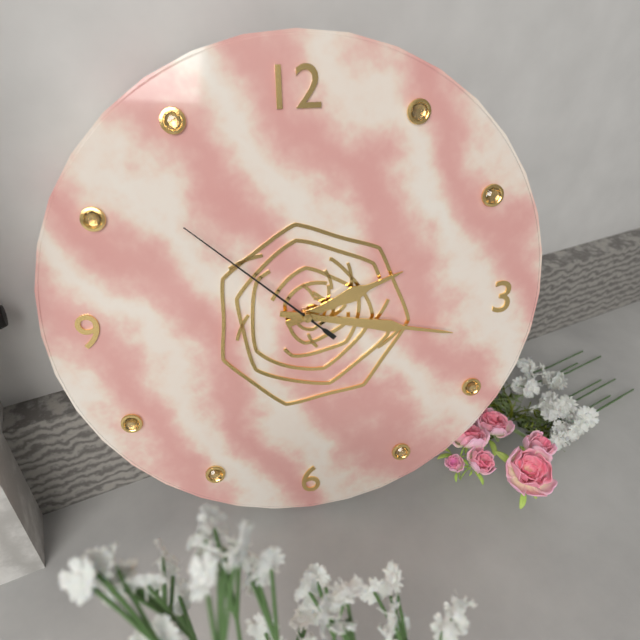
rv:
2.17.52
